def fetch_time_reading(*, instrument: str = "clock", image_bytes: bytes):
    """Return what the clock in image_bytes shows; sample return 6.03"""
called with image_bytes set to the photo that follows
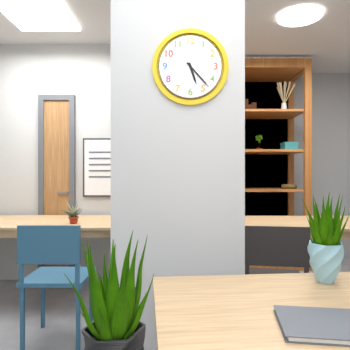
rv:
5.23
